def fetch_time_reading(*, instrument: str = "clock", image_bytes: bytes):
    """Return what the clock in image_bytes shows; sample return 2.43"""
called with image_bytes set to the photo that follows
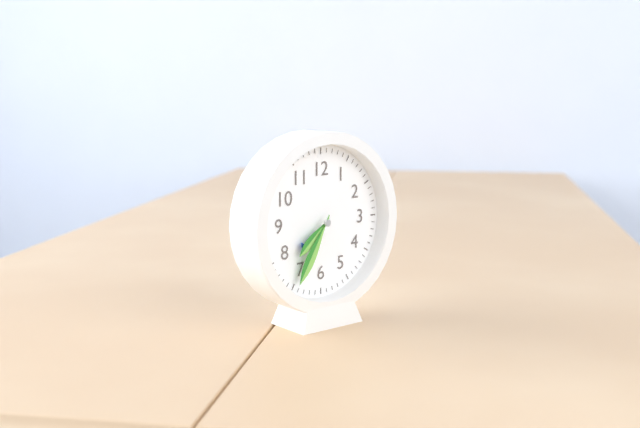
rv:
7.35
